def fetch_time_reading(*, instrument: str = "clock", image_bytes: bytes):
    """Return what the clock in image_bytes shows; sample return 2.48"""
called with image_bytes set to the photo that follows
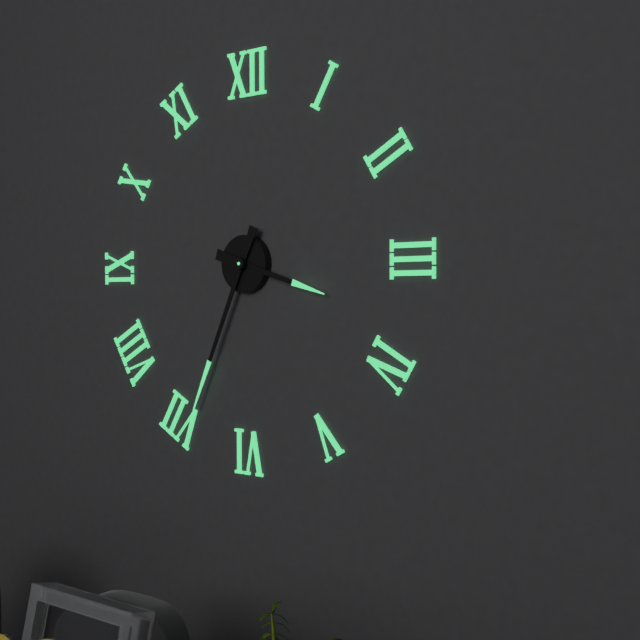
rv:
3.34
